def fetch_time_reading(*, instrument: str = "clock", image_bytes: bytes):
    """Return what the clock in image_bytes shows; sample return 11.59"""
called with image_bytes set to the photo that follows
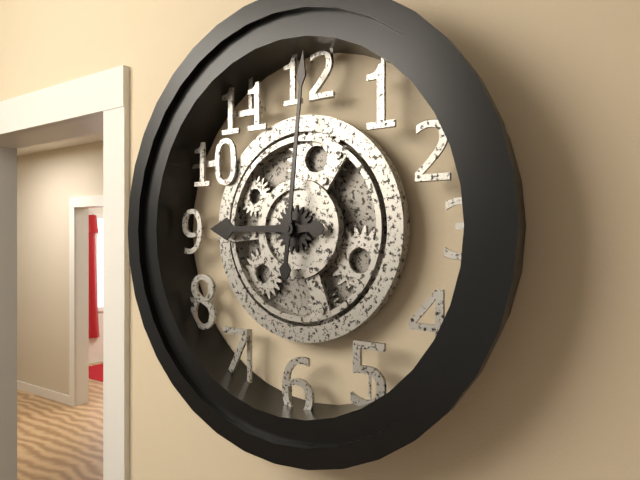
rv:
9.01
